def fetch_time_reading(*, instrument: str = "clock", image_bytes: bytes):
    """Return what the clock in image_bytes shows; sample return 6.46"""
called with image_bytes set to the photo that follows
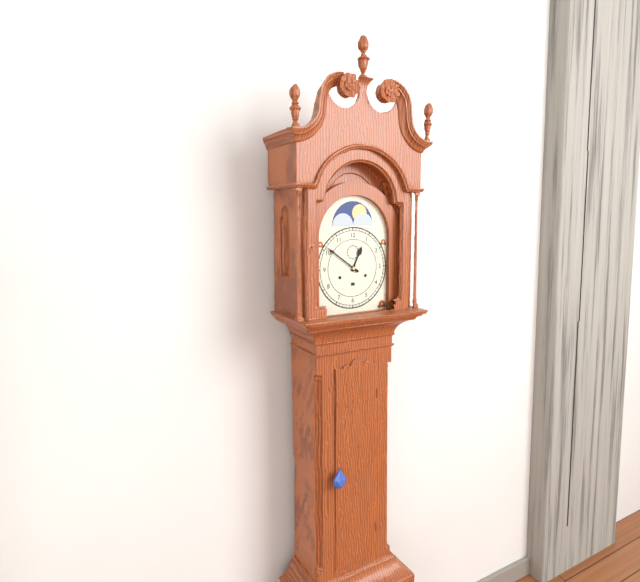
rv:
12.51
